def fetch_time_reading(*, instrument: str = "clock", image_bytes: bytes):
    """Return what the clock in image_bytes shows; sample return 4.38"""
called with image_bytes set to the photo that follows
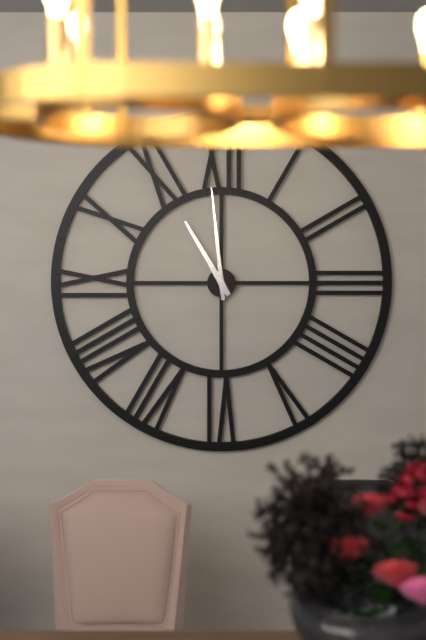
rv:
10.59
